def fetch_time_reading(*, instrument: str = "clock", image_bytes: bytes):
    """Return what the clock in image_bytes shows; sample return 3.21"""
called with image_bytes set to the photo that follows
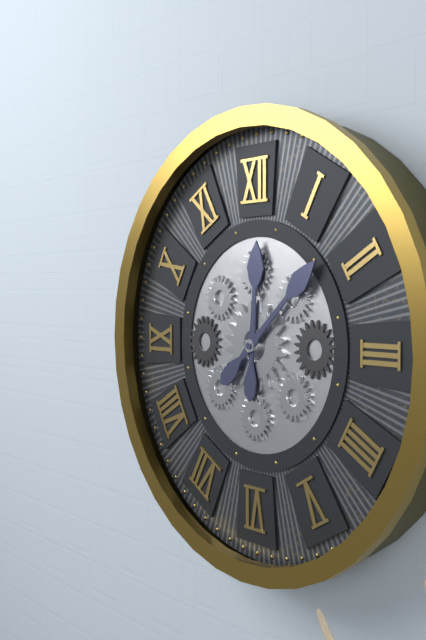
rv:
12.08
